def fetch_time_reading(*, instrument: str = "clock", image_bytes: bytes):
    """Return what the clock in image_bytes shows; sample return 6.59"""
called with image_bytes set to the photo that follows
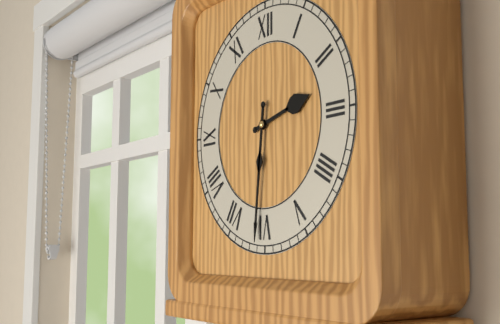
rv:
2.31
